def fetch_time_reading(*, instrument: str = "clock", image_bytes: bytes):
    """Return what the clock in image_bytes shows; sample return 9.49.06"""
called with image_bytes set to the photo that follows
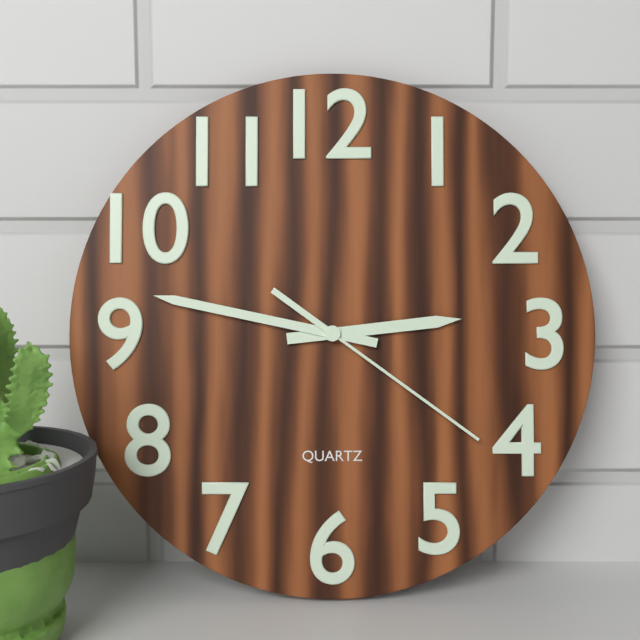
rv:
2.47.21
